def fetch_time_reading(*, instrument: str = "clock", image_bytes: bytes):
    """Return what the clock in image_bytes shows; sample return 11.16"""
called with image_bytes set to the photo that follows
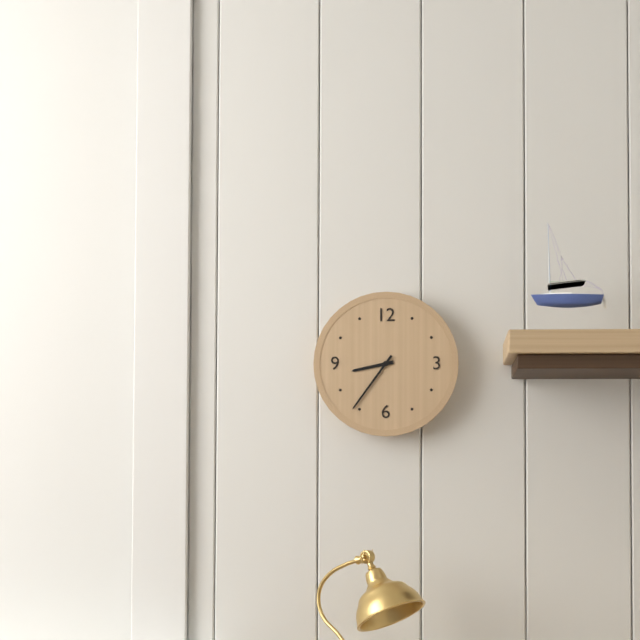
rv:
8.36
